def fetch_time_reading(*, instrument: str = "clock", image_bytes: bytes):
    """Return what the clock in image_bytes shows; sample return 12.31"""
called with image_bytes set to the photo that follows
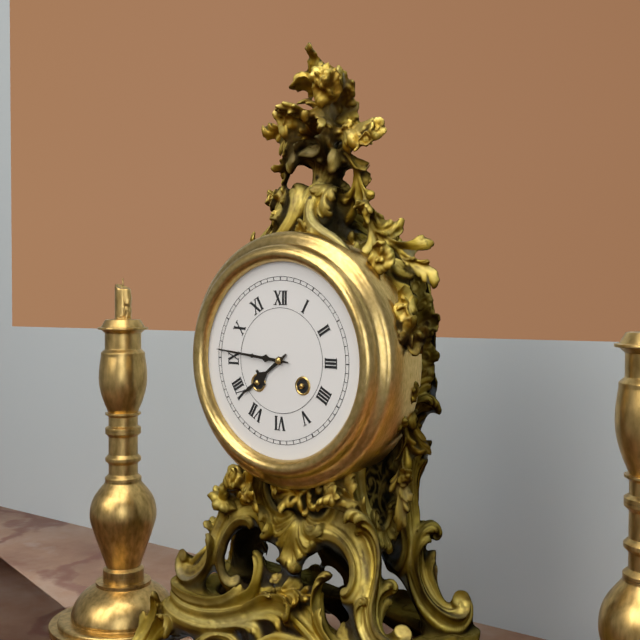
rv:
7.46
